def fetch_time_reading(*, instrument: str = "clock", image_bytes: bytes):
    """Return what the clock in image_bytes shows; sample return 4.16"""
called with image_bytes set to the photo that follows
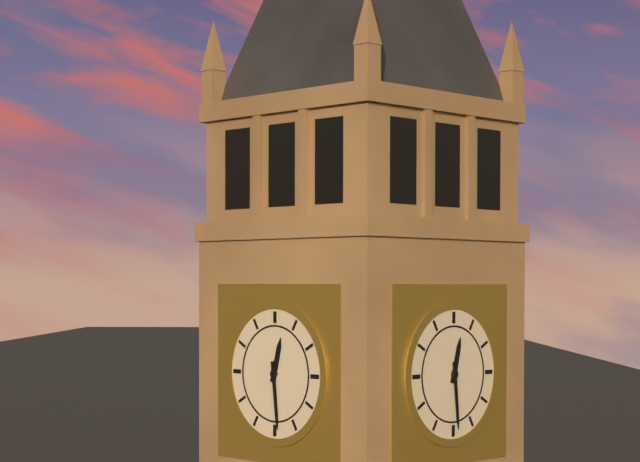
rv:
12.29
